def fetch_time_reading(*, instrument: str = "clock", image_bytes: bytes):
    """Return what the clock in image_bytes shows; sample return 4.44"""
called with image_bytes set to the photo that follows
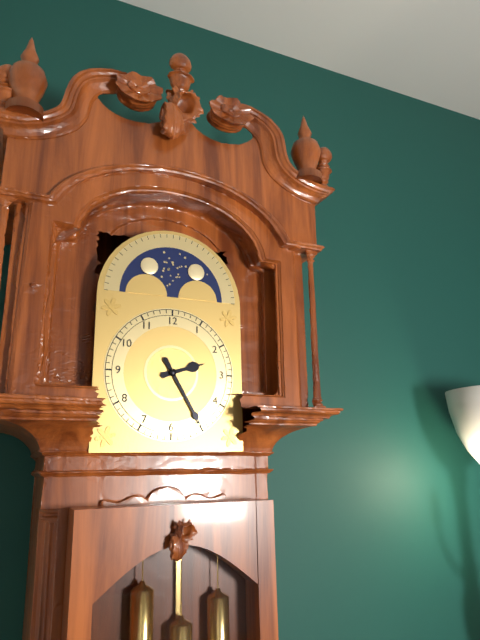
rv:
2.25
